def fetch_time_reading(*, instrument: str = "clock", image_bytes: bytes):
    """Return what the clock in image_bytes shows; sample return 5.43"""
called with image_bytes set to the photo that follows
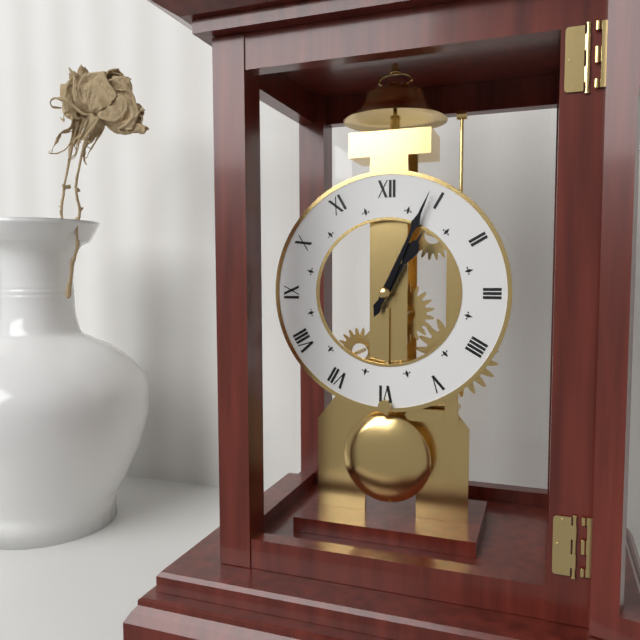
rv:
1.04
